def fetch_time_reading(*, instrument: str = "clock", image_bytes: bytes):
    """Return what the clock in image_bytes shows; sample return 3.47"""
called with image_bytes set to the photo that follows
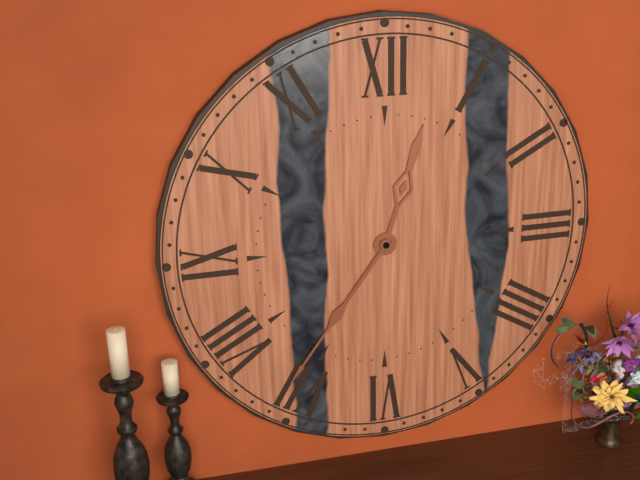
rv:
12.36
